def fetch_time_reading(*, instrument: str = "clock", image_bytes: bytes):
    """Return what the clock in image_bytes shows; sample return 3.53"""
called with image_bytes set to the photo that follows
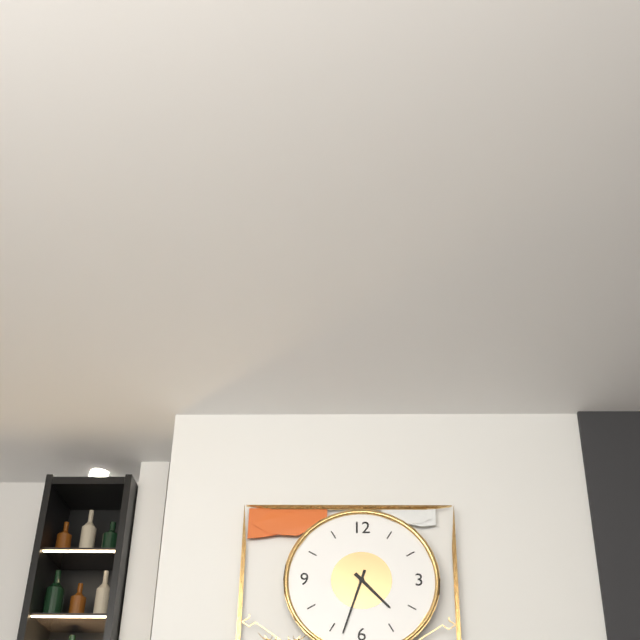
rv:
4.33
